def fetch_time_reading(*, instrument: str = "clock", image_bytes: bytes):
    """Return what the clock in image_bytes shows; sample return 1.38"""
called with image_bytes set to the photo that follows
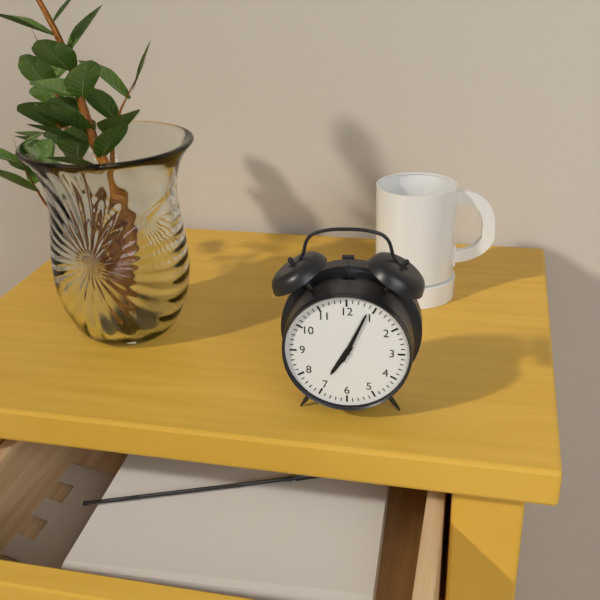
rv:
7.04
